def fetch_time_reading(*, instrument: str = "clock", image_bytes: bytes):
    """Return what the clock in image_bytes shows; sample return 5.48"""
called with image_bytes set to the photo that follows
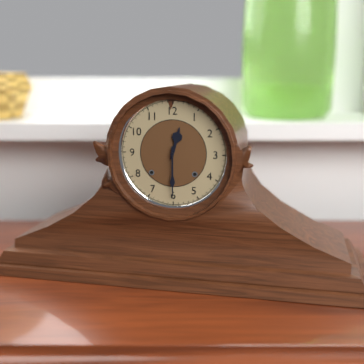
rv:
12.30
